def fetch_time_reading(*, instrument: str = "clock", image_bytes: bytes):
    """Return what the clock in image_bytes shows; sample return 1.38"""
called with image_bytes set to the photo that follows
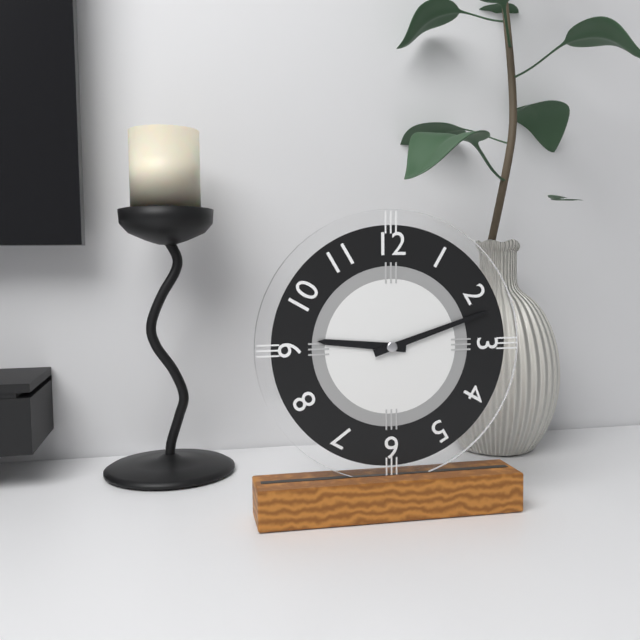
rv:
9.12
